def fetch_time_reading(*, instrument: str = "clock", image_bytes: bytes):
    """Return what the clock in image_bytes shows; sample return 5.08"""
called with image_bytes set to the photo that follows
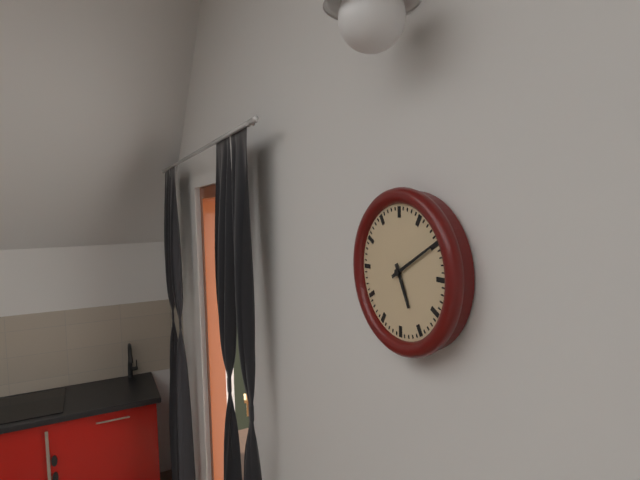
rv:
5.10
